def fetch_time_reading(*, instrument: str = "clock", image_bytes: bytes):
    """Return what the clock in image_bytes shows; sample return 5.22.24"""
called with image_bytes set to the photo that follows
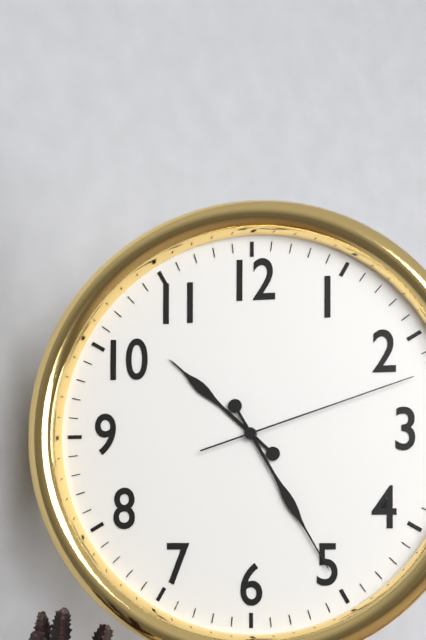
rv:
10.25.12
